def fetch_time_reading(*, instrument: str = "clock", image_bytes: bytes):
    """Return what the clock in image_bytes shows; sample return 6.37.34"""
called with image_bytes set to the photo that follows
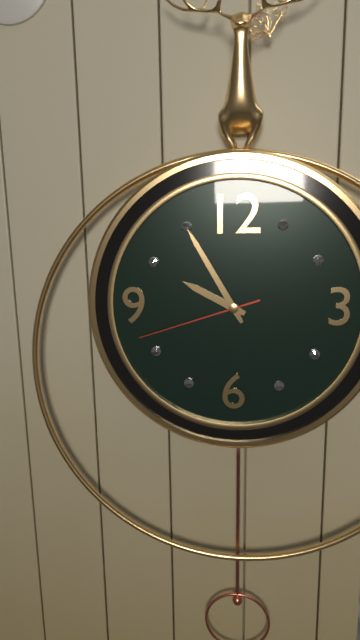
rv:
9.55.42
